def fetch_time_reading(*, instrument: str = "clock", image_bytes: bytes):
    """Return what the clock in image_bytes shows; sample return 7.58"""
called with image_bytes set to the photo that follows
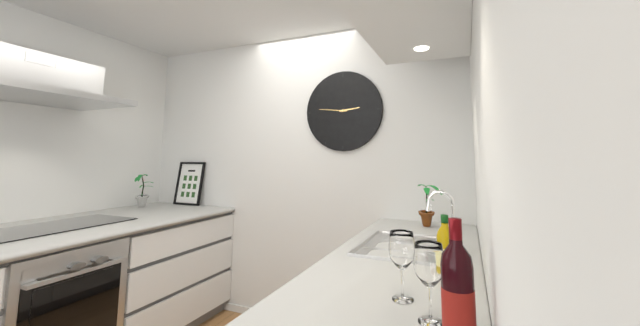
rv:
2.46
